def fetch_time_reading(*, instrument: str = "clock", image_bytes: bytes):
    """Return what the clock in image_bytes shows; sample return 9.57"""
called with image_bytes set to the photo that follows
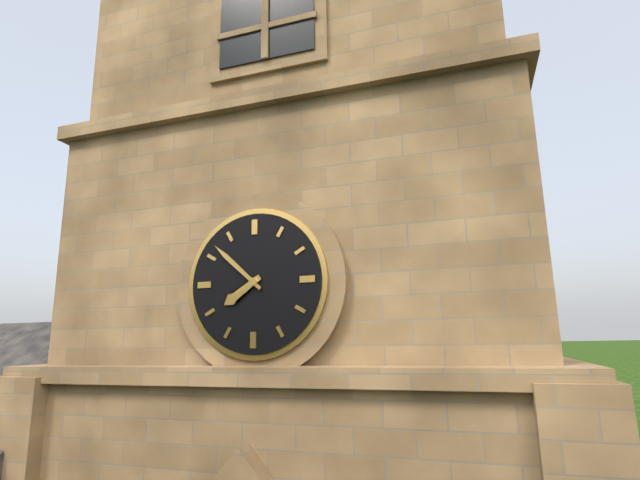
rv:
7.52
